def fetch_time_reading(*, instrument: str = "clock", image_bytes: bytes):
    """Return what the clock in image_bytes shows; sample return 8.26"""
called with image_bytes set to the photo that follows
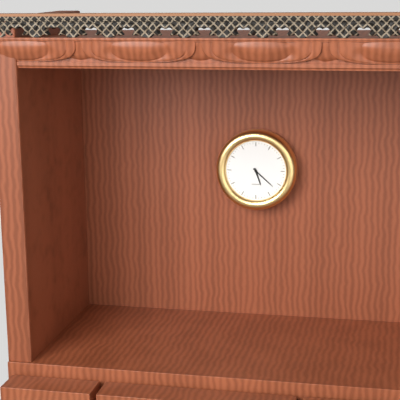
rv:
5.22
